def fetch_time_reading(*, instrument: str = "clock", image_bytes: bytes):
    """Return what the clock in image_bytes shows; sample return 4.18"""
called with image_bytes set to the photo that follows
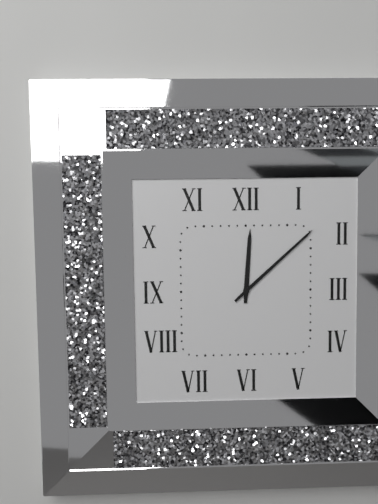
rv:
12.08
